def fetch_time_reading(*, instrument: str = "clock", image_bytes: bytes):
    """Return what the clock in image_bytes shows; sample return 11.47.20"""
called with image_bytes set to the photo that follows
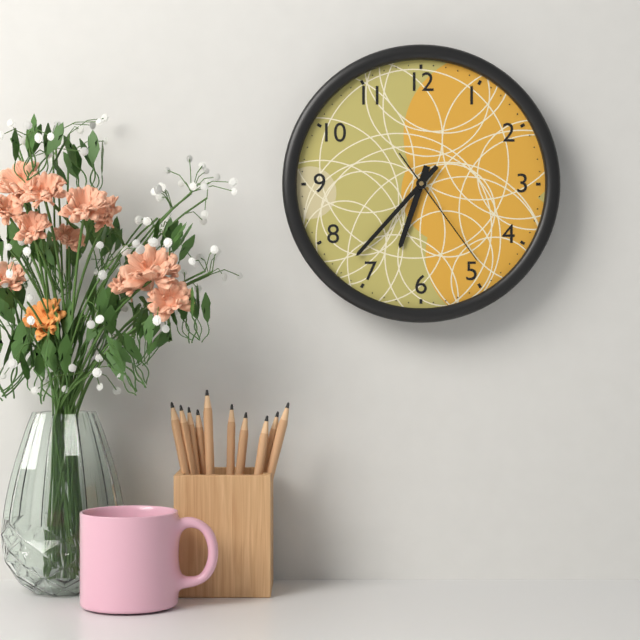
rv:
6.37.24
